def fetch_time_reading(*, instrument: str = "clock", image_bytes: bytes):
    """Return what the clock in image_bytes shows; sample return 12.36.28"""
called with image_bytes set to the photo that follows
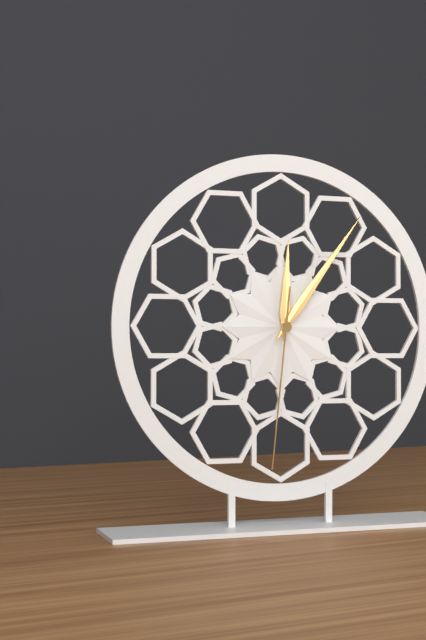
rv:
12.06.31
